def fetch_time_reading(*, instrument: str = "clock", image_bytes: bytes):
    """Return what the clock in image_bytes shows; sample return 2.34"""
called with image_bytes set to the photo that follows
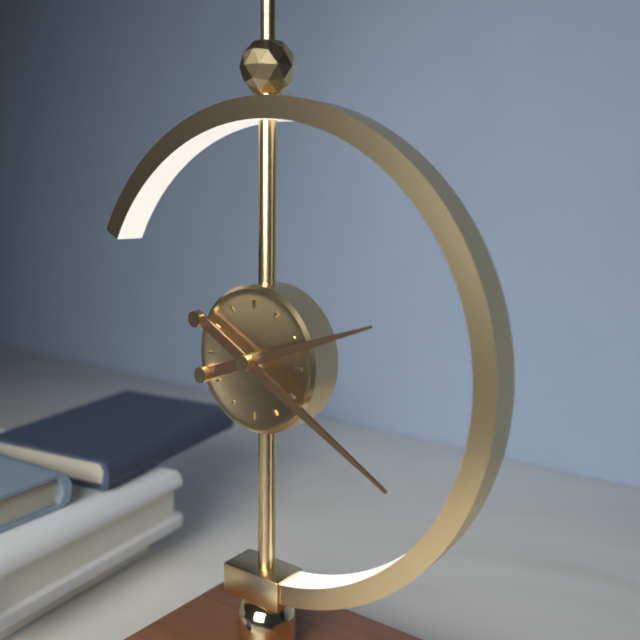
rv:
2.20
